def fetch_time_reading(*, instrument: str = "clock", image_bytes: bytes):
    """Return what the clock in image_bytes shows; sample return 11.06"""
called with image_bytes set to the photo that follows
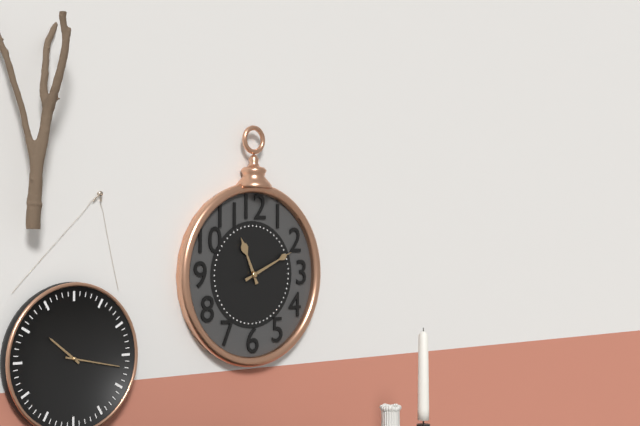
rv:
11.11
